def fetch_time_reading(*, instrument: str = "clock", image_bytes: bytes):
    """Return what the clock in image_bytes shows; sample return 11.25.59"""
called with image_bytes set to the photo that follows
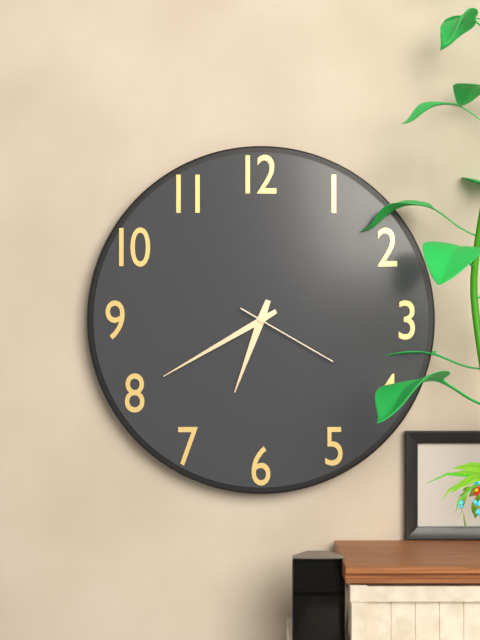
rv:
6.40.20
